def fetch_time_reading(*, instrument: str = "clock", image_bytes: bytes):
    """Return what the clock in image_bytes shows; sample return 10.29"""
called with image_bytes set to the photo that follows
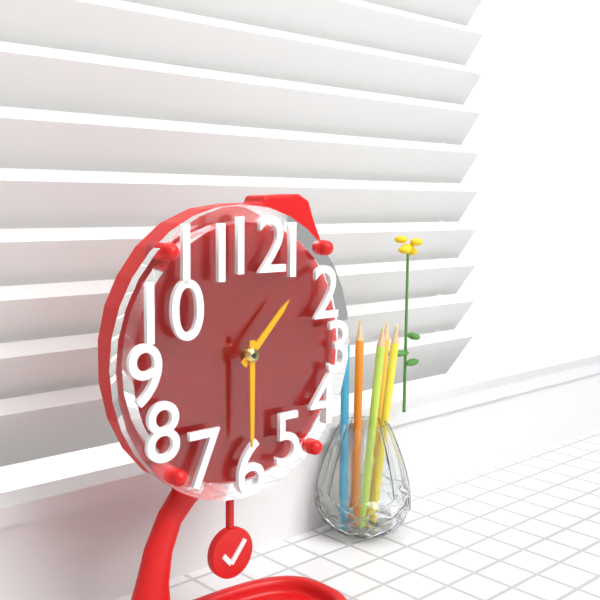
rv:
1.30
